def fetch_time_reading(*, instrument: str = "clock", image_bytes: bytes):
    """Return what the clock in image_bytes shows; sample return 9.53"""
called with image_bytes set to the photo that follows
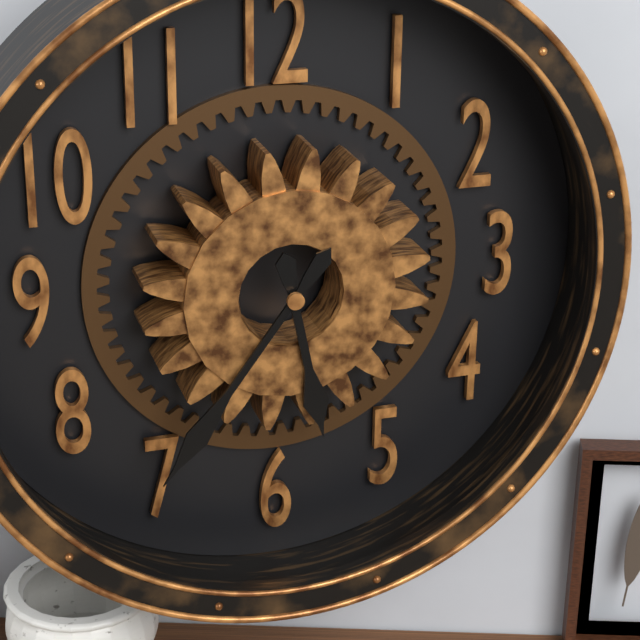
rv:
5.36
